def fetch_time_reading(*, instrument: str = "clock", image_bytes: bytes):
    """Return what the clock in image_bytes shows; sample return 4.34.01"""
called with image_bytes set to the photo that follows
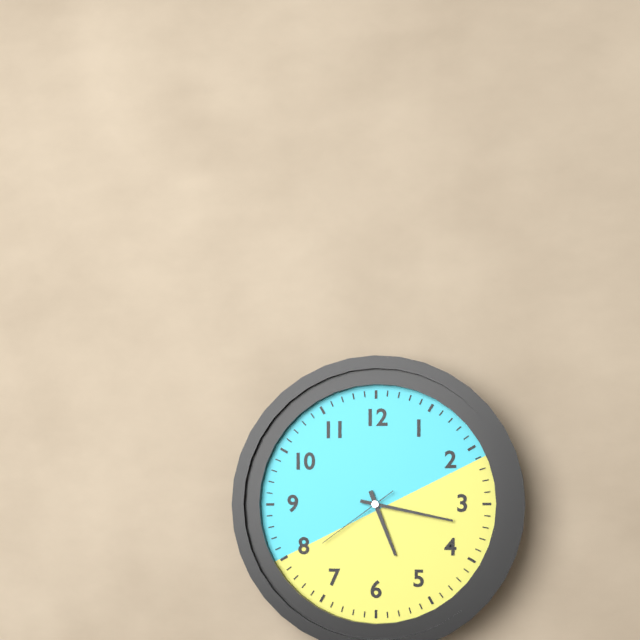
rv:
5.17.39
